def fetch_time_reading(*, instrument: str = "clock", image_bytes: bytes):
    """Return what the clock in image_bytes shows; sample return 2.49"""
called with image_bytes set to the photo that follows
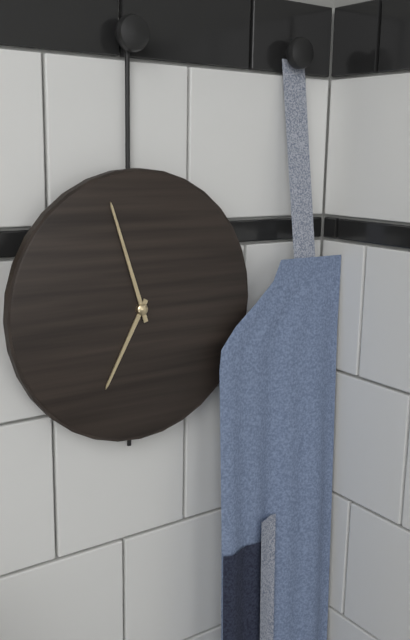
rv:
6.57
